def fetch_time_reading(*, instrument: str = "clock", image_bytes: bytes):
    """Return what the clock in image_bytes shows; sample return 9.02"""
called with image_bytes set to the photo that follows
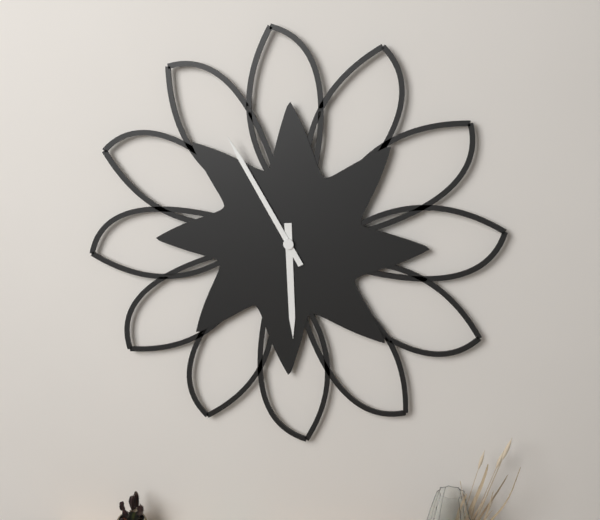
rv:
5.55
